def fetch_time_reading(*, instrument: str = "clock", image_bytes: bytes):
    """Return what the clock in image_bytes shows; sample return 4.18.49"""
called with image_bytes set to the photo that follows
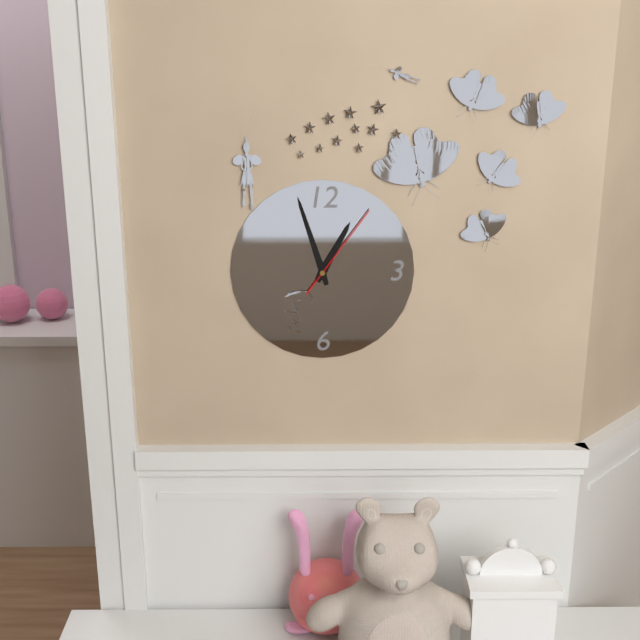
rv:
12.57.06
